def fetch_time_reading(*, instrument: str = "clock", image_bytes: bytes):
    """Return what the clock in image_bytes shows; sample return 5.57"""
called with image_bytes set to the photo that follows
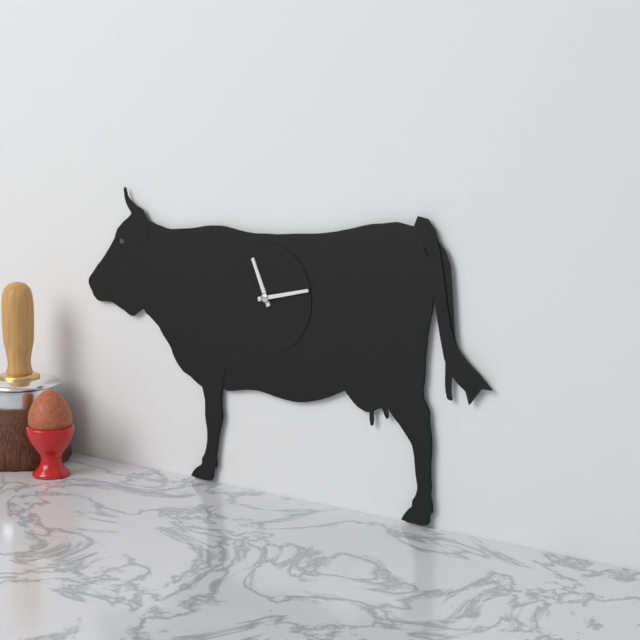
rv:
11.13
